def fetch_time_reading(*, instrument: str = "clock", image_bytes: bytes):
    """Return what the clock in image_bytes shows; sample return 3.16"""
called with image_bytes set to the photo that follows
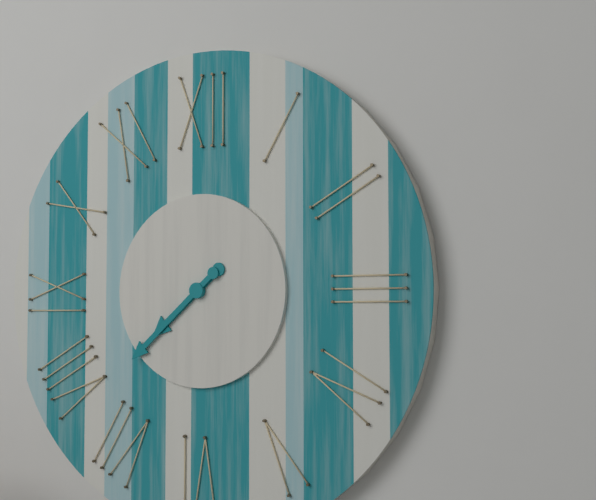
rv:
7.38
